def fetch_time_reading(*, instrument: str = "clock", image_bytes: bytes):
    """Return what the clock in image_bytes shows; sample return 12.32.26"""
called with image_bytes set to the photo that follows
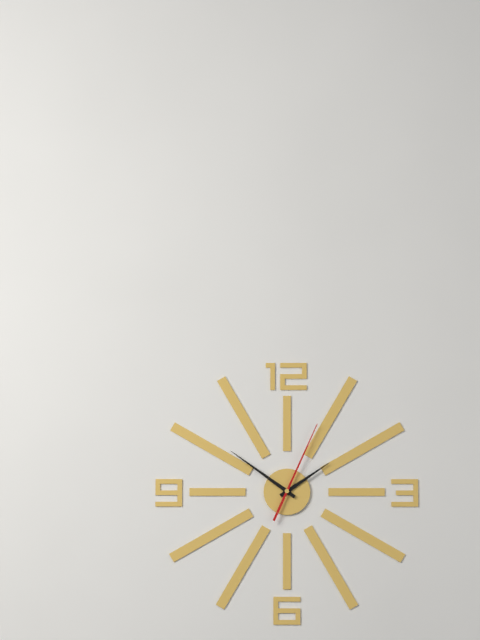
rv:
1.51.04
